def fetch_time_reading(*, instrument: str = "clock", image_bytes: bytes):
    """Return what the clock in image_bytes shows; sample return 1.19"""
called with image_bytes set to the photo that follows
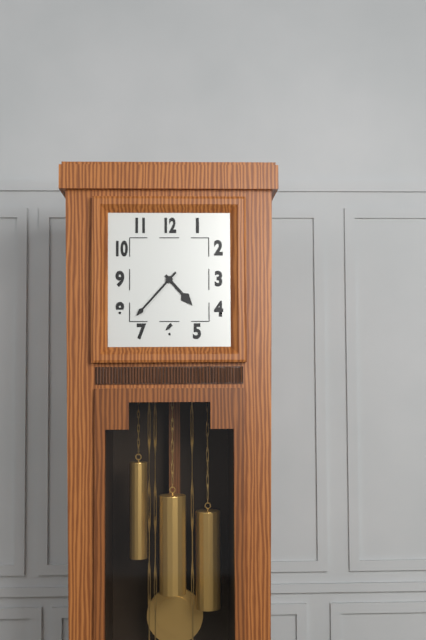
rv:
4.37
